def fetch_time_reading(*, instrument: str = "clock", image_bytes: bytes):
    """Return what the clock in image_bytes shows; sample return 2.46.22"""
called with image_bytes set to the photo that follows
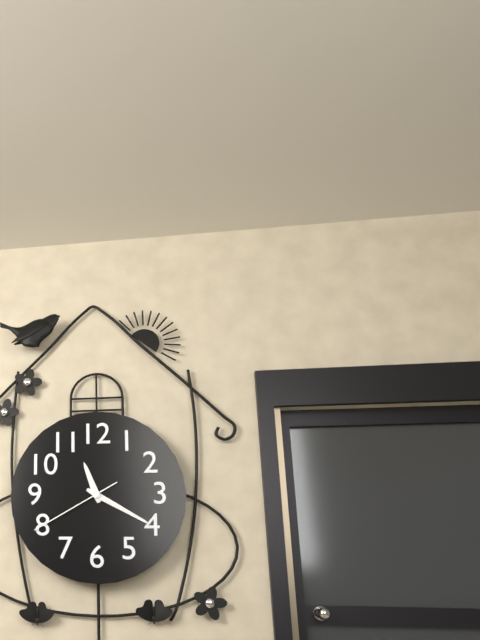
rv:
11.20.40
